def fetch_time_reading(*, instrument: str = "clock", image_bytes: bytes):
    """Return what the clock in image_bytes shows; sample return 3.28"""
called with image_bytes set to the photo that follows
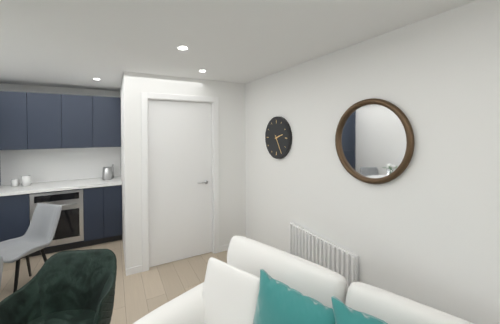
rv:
2.25
